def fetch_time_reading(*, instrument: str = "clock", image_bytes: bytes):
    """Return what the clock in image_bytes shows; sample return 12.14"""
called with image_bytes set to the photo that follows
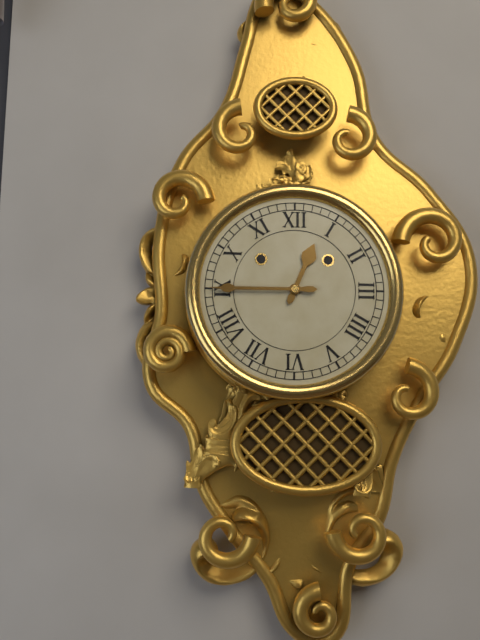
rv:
12.45
